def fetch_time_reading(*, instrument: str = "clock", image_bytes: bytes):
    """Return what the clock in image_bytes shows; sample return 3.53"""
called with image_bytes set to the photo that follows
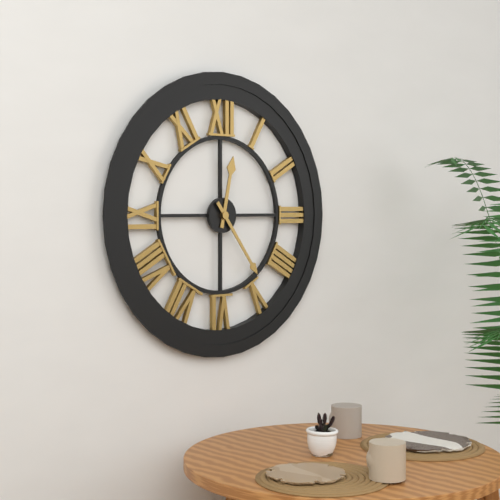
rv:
12.24
